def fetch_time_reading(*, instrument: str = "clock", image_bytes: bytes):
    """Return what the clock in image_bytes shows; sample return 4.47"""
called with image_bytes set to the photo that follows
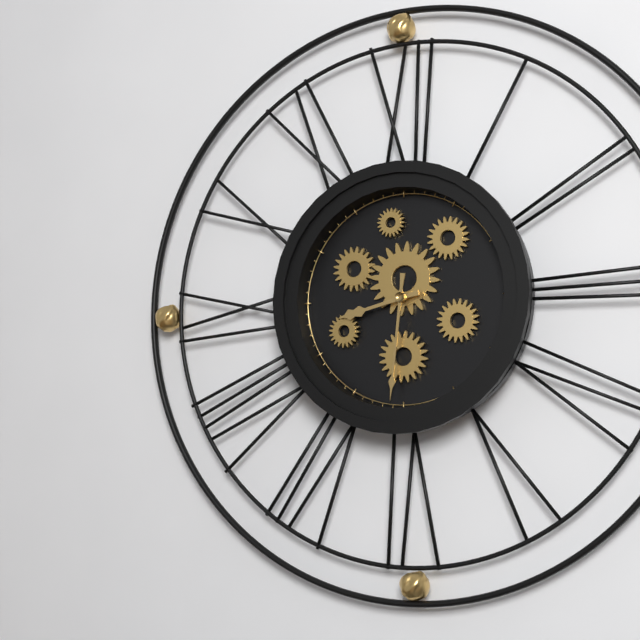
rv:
8.31
